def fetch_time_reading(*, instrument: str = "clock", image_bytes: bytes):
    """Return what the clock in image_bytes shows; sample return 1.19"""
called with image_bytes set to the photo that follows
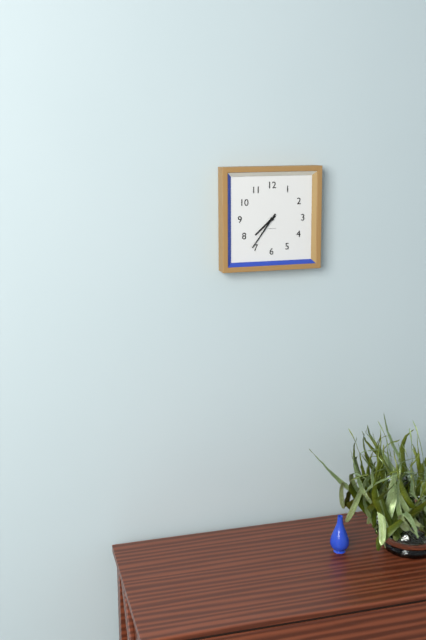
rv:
7.36
